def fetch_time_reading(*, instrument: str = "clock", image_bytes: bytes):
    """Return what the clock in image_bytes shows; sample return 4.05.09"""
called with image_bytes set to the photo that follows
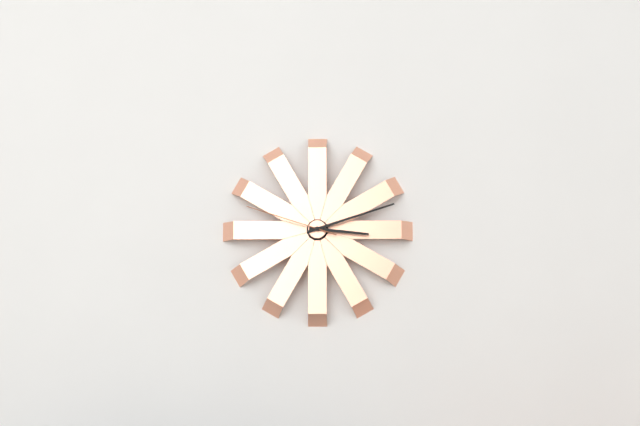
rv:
3.12.48
